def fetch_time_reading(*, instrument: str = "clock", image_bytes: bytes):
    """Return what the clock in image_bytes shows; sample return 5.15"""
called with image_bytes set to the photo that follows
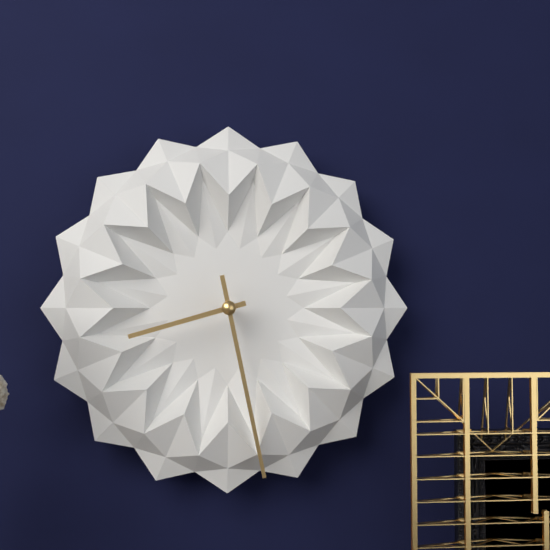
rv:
8.28
